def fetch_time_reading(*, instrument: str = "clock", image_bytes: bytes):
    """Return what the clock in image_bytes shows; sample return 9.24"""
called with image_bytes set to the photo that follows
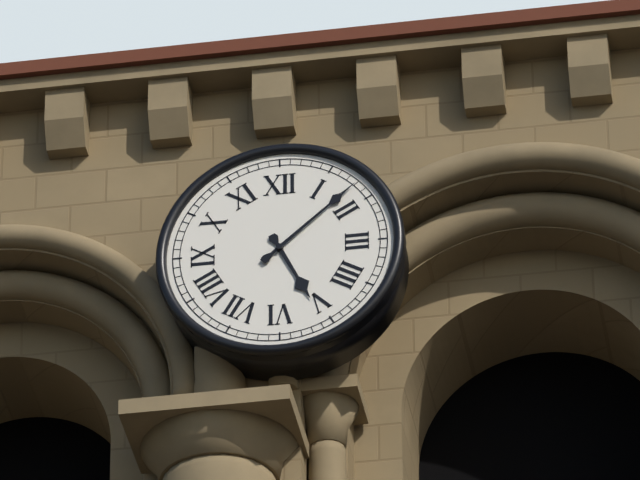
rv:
5.08
